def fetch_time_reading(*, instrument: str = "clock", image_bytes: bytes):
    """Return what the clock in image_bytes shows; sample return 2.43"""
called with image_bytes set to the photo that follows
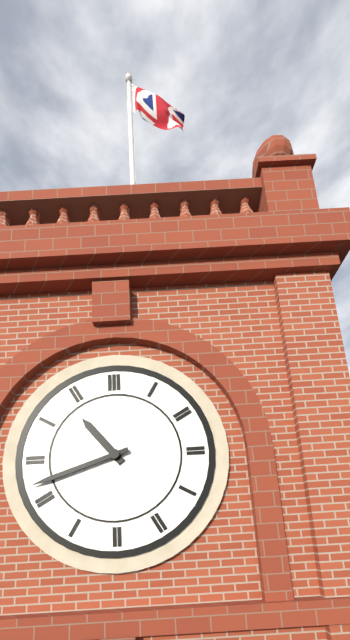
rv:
10.42
